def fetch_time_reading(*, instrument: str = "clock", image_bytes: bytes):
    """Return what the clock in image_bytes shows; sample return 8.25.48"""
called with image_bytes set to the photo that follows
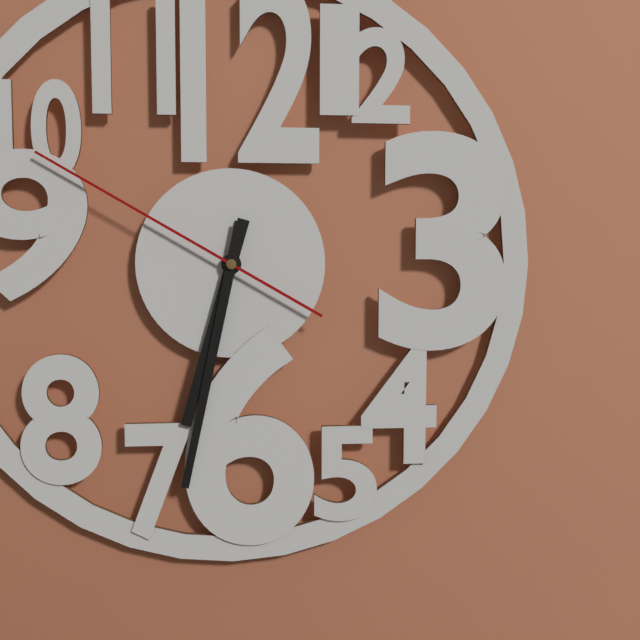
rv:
6.32.50
